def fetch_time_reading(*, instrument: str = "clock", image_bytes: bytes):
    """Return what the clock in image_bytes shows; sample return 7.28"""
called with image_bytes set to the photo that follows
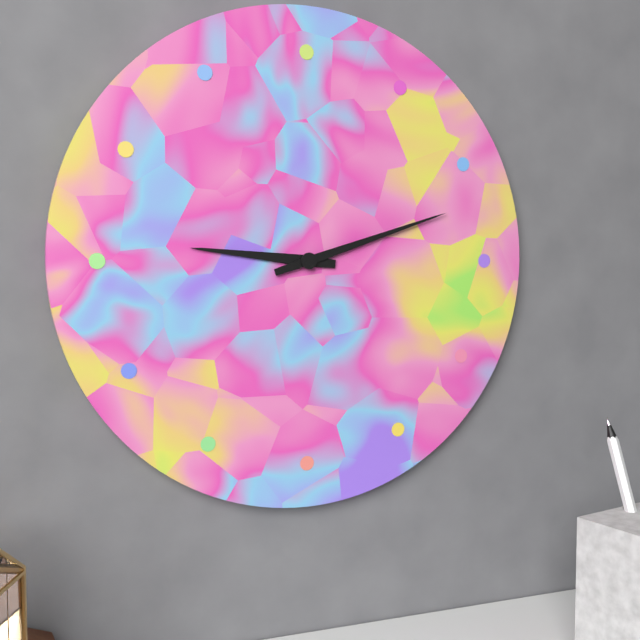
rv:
9.12
